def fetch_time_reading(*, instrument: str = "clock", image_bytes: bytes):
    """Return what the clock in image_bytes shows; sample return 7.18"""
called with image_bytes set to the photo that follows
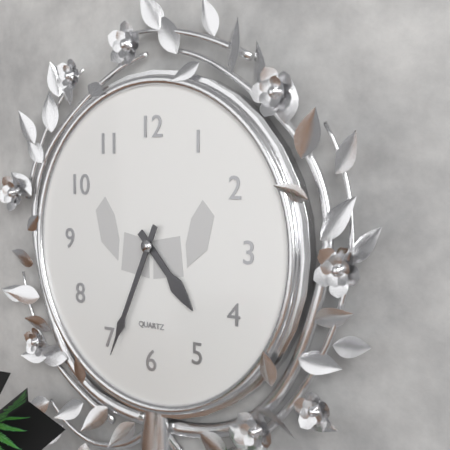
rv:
4.34
